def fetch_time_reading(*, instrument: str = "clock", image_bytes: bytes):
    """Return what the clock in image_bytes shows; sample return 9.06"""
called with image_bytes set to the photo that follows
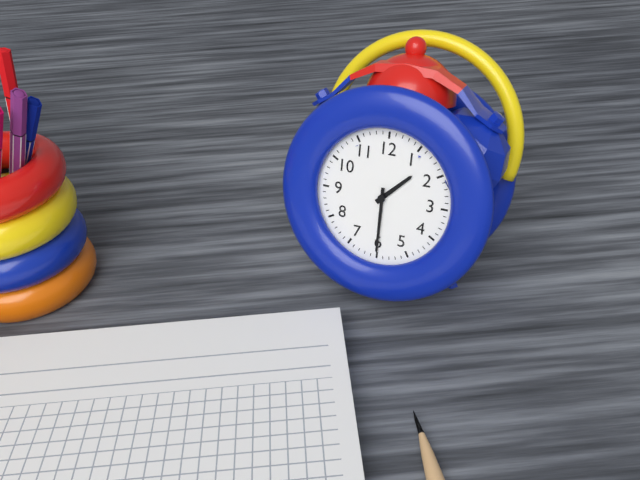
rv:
1.30
